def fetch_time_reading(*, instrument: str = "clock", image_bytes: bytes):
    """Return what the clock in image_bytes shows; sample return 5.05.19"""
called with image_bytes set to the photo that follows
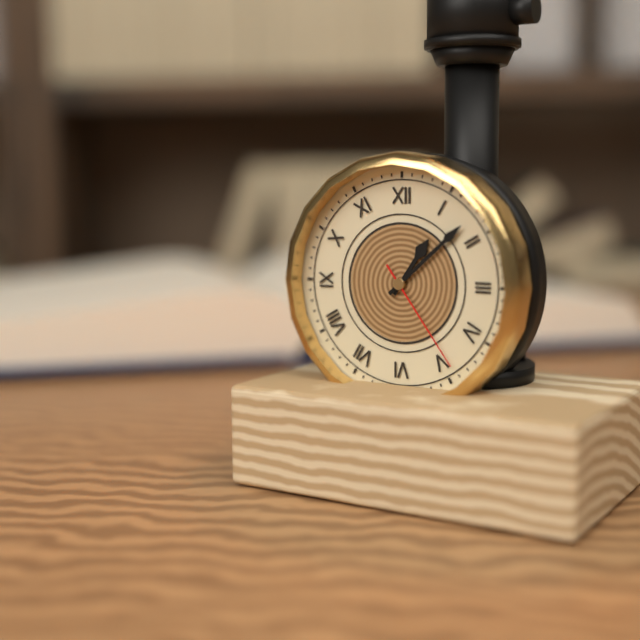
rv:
1.08.24
